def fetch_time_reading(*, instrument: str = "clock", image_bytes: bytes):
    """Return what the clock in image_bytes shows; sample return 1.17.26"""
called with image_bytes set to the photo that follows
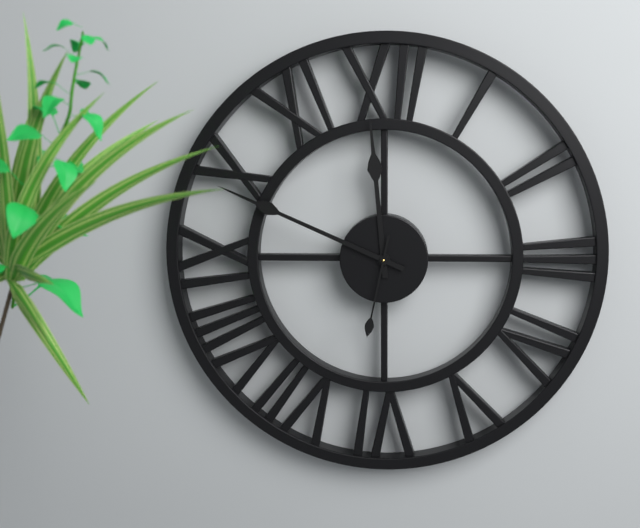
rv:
11.49.32
